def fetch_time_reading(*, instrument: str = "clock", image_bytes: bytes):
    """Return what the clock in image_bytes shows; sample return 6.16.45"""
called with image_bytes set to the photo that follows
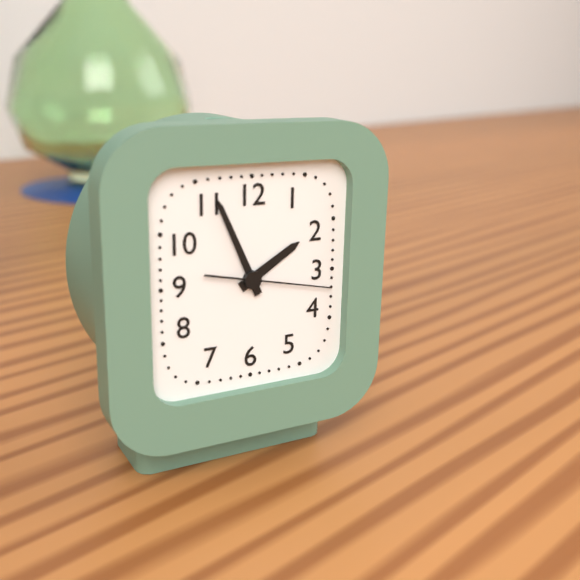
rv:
1.56.17
